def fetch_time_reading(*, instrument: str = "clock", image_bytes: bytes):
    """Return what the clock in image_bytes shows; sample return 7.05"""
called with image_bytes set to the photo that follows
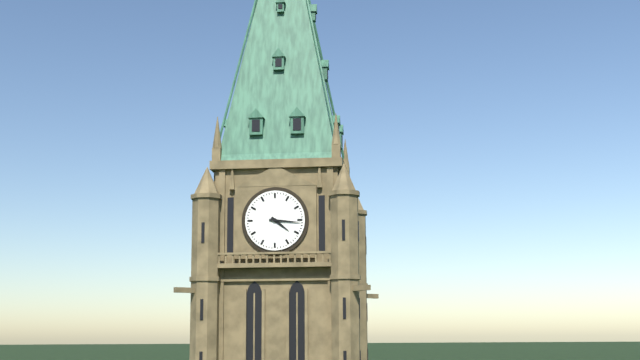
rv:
4.16
